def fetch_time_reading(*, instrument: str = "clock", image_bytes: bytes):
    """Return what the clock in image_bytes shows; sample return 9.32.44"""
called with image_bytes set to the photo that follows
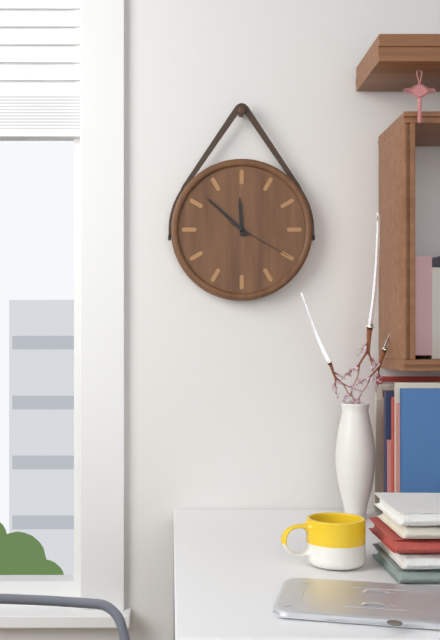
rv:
11.52.20
